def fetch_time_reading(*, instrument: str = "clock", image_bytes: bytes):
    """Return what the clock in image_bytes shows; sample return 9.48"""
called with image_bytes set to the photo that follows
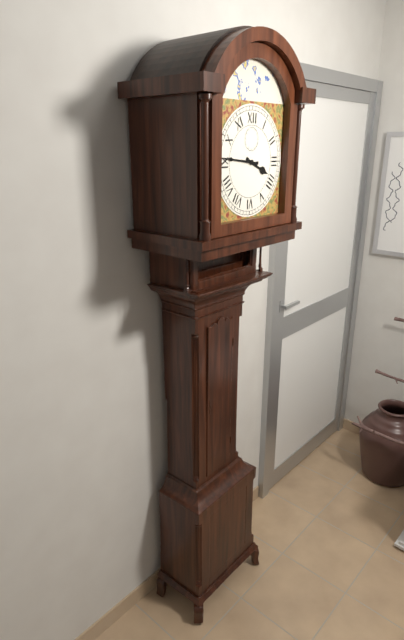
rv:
3.46
